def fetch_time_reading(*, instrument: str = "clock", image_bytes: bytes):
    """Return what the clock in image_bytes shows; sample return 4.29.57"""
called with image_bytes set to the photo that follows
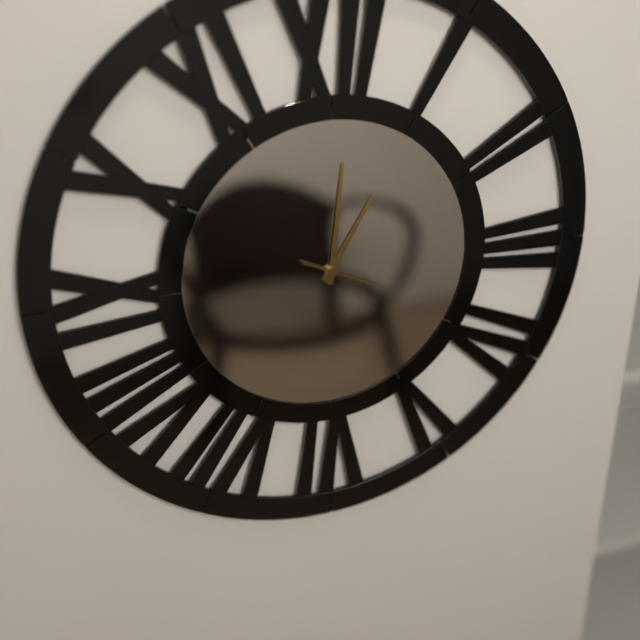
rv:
1.01.19
